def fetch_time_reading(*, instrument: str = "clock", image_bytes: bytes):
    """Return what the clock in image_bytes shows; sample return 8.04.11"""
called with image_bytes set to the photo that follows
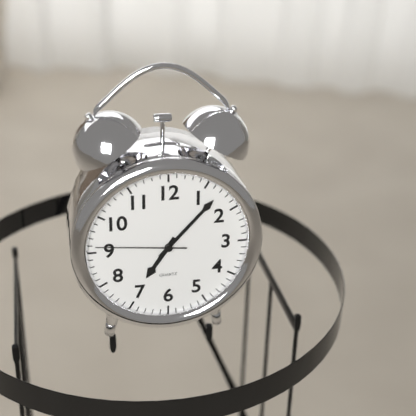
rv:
7.07.46
